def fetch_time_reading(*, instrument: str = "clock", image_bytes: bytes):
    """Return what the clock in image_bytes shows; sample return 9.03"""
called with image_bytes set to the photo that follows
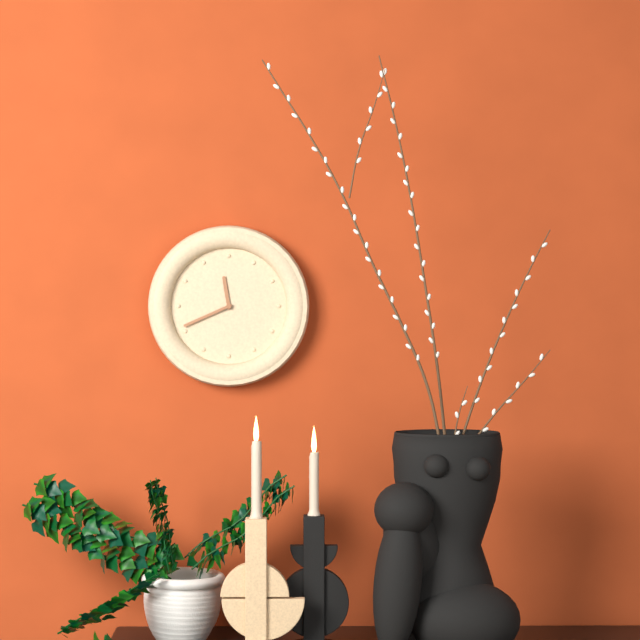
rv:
11.41
